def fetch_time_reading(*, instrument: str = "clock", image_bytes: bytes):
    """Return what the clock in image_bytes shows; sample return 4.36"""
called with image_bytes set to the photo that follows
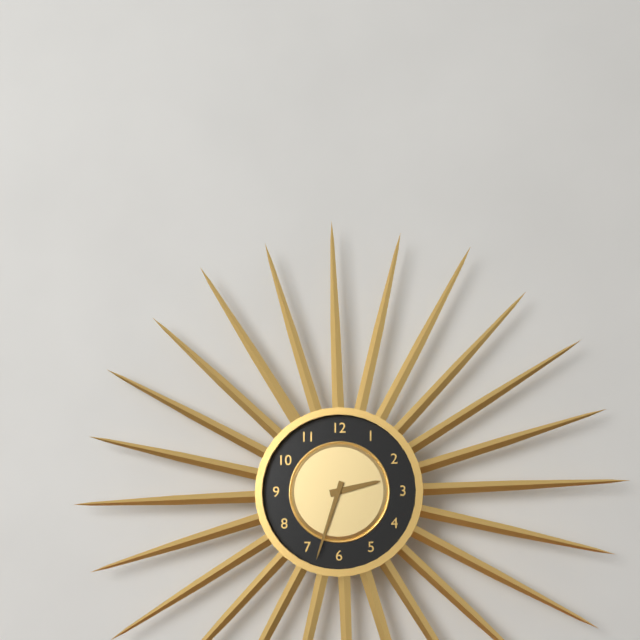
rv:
2.33
